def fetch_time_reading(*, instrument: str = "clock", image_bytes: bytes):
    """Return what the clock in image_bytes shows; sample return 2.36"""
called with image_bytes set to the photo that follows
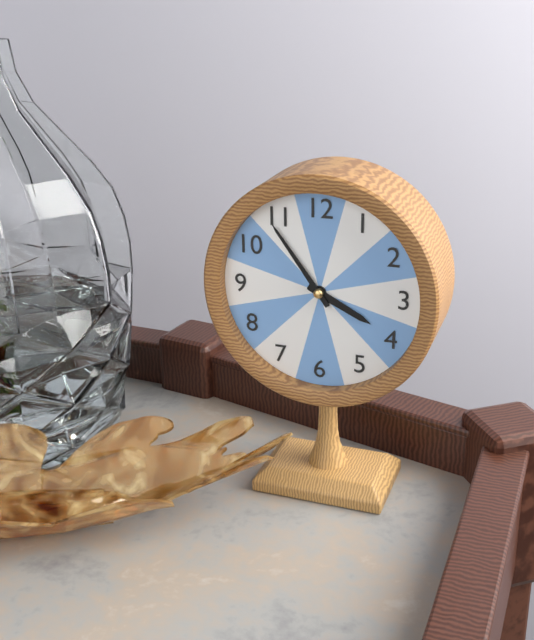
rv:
3.54
